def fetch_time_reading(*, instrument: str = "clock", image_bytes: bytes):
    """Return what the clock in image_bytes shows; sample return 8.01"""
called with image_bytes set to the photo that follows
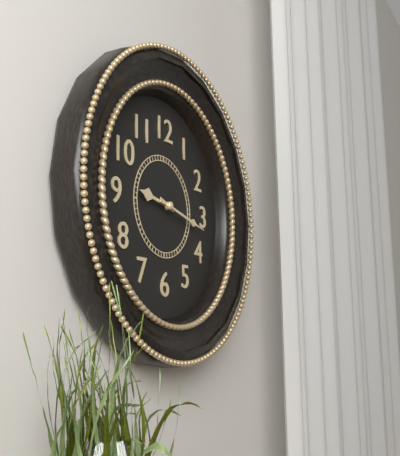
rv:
9.17
